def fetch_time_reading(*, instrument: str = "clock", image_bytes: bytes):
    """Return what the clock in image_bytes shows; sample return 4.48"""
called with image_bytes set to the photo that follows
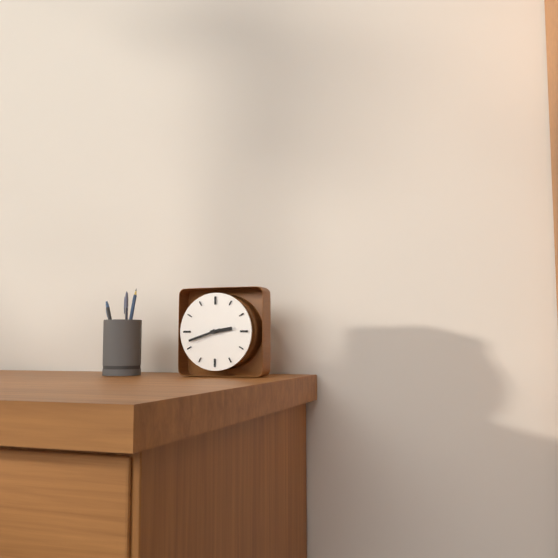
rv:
2.42
